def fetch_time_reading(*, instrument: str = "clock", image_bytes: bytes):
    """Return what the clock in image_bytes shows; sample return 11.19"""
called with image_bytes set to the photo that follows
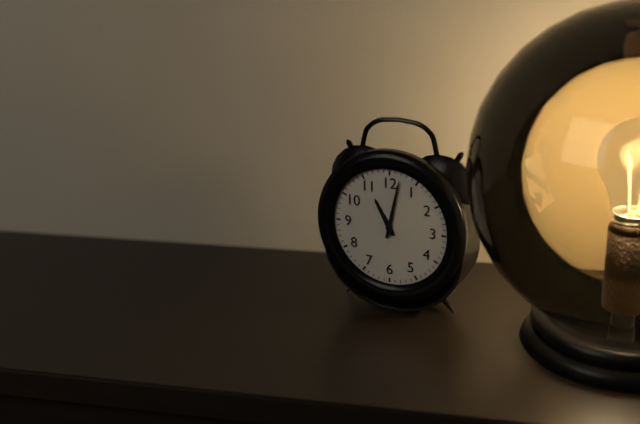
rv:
11.02
